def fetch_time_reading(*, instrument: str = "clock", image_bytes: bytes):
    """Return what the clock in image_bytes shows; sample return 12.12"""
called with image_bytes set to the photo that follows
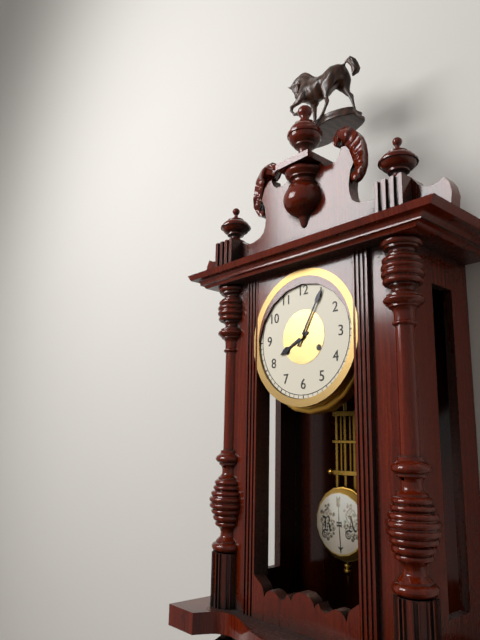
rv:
8.05
